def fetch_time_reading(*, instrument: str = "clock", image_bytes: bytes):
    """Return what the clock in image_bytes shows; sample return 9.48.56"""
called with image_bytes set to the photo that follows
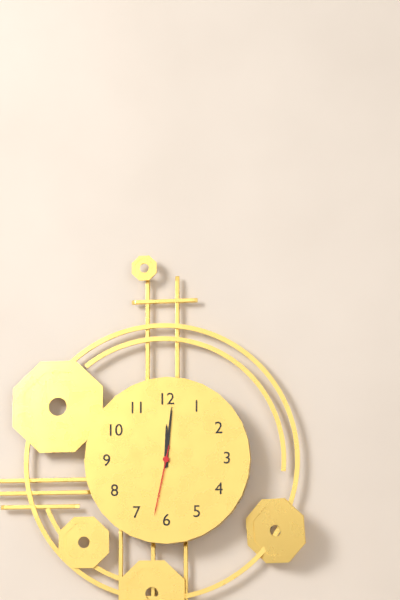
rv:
12.01.32
